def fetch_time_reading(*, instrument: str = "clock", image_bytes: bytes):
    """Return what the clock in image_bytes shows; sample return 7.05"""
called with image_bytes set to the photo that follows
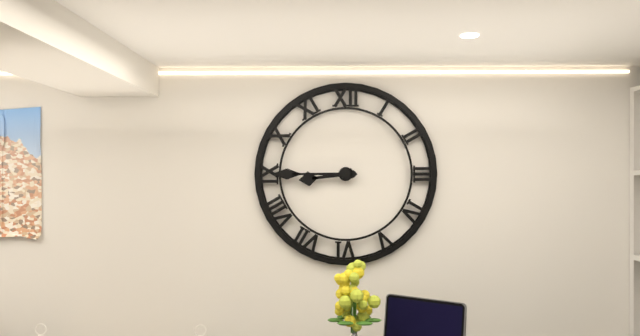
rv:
8.45
